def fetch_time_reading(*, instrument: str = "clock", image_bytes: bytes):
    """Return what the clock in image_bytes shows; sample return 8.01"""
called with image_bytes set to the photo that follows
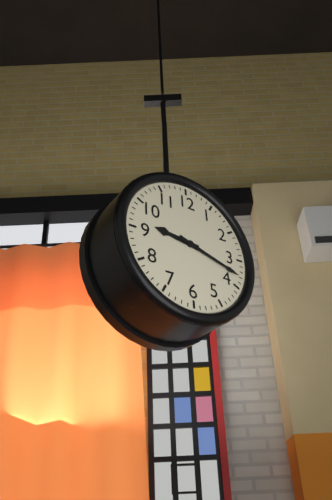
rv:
9.18
